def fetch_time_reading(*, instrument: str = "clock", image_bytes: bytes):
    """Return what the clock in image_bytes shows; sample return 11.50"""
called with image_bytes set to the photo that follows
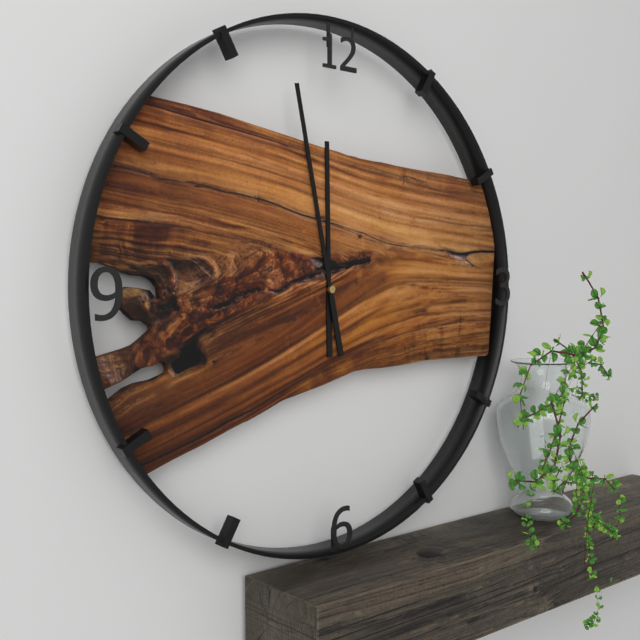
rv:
11.58
